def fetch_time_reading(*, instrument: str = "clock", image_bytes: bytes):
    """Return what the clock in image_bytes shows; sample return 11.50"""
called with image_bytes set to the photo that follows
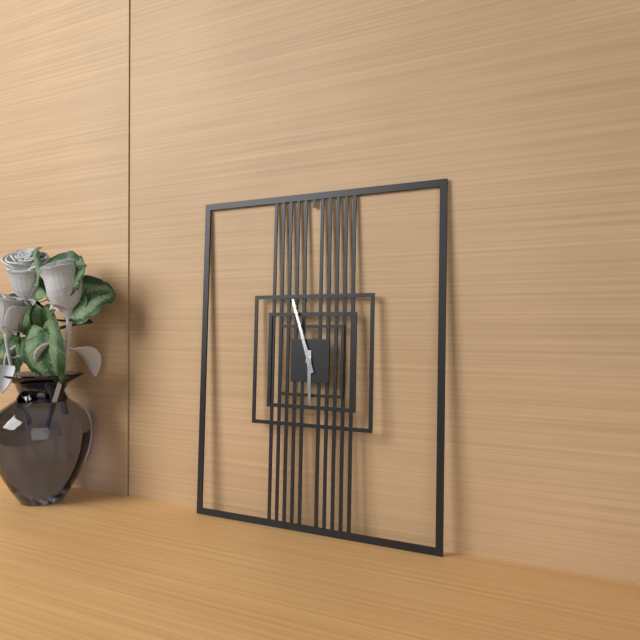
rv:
5.57
